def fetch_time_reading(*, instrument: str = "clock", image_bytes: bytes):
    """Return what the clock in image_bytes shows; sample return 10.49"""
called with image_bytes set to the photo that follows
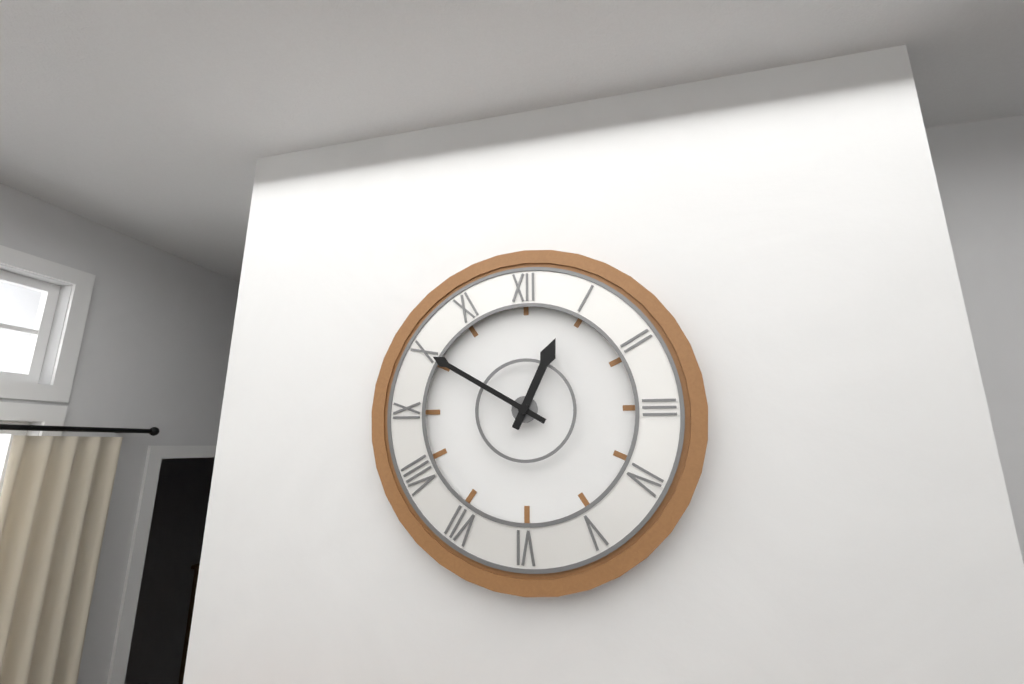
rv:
12.50
